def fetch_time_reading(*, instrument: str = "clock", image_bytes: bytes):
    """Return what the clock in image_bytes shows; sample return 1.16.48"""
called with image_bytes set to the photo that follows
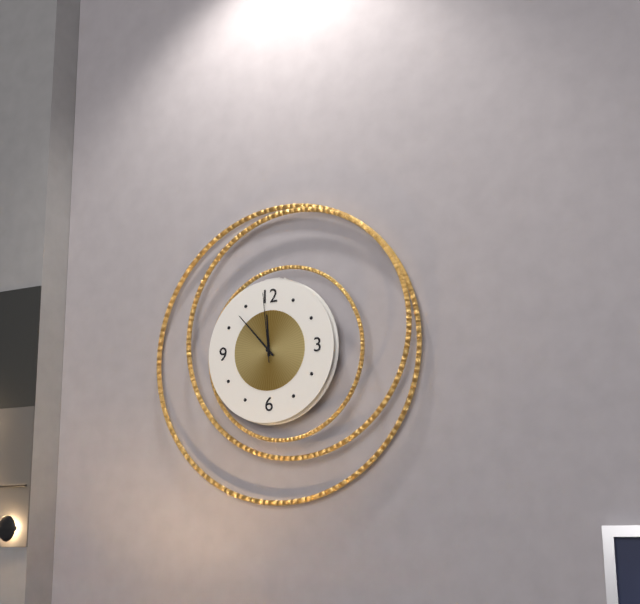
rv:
11.53.59
